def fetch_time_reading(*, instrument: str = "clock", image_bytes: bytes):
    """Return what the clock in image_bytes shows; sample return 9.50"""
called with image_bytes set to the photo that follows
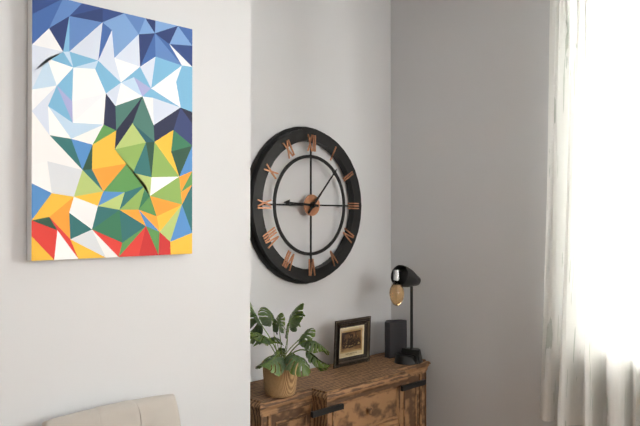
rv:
9.07
